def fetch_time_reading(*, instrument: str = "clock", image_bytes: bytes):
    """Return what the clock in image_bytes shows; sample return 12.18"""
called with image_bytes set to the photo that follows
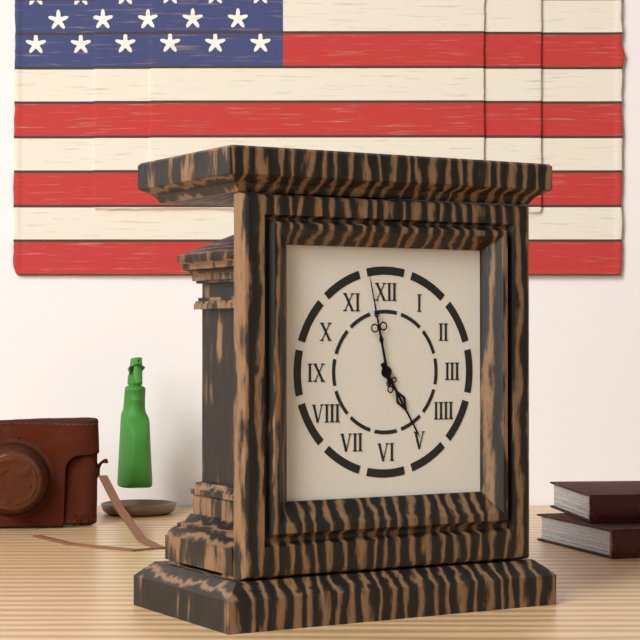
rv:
4.58
